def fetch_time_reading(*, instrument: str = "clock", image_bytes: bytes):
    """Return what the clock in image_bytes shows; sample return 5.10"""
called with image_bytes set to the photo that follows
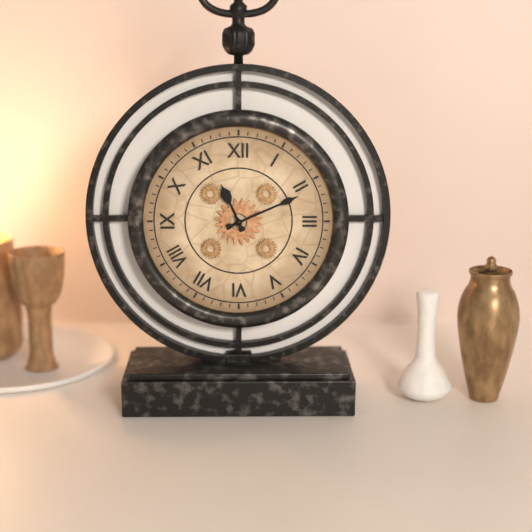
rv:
11.11
